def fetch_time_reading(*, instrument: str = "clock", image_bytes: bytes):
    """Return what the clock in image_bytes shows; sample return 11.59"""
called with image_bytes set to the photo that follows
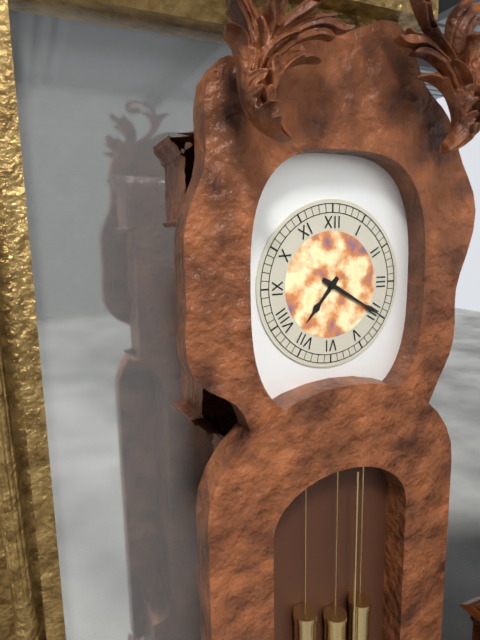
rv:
7.20
